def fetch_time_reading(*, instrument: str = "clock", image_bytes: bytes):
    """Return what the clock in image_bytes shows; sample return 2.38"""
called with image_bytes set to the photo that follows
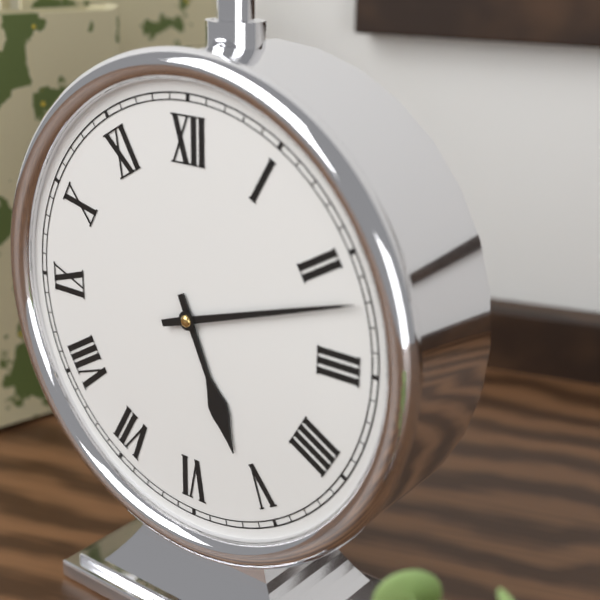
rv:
5.12
